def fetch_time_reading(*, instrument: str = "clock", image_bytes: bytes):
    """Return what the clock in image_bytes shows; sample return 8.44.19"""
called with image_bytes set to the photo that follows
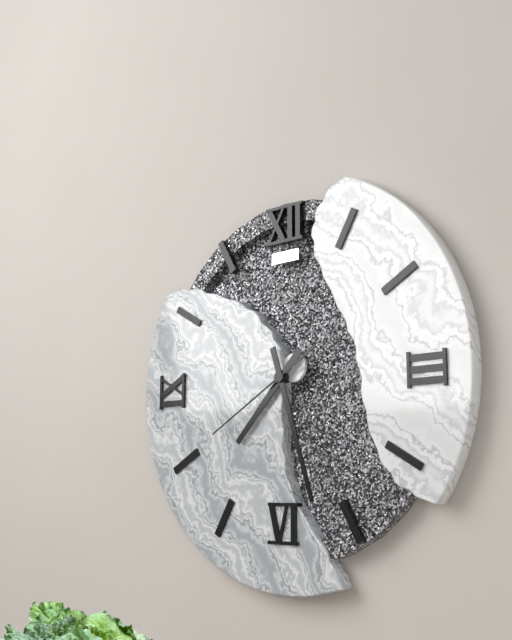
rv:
7.27.40
